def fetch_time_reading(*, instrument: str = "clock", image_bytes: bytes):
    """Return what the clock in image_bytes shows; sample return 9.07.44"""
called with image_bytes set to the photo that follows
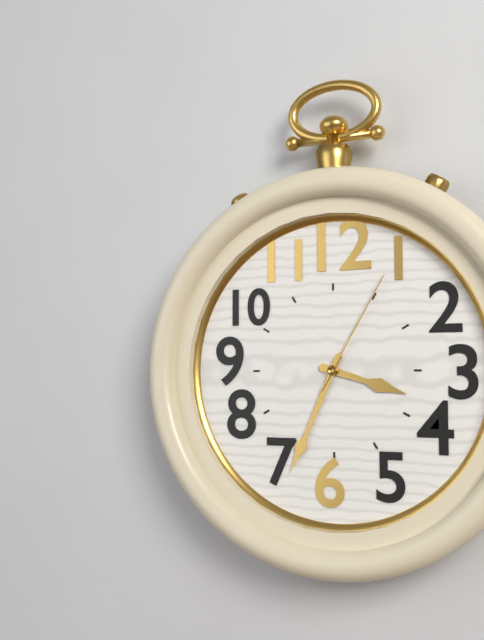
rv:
3.34.05
